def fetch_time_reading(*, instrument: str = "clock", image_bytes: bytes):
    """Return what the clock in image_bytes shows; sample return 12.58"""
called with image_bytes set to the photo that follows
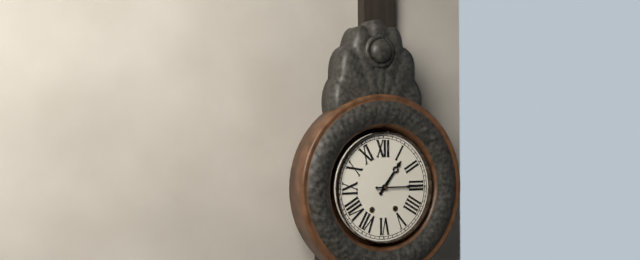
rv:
1.15
